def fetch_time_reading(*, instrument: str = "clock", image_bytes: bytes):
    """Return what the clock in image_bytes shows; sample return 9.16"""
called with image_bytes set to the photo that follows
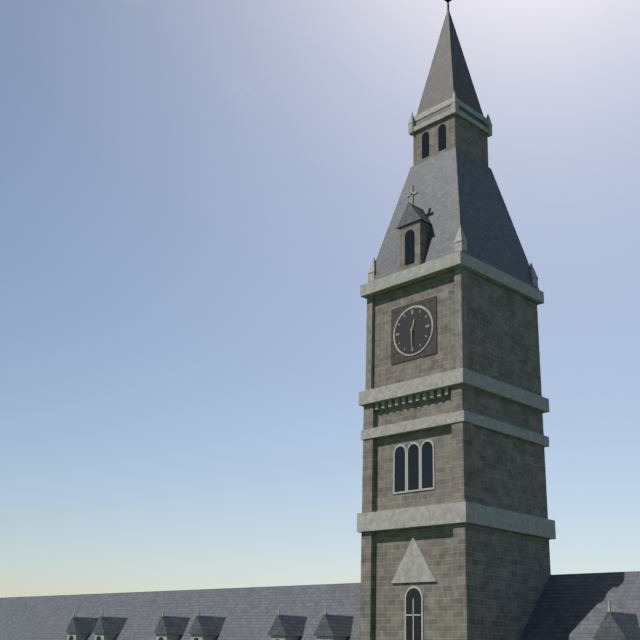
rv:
12.30
